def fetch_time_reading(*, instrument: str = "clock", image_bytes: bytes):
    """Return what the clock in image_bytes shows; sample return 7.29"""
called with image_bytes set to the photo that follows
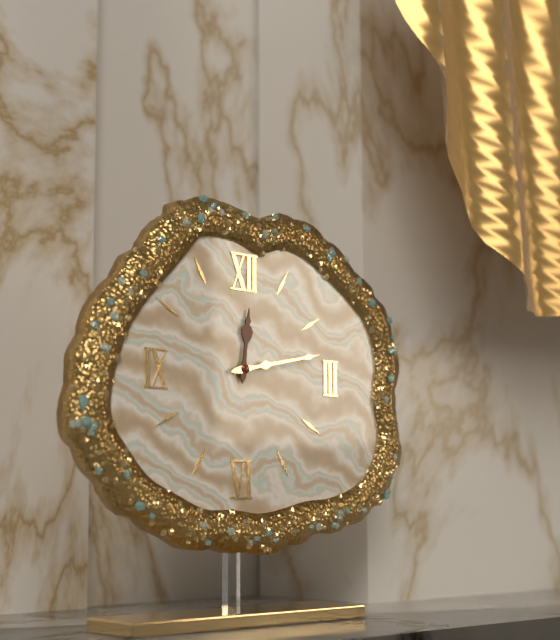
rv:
12.13
